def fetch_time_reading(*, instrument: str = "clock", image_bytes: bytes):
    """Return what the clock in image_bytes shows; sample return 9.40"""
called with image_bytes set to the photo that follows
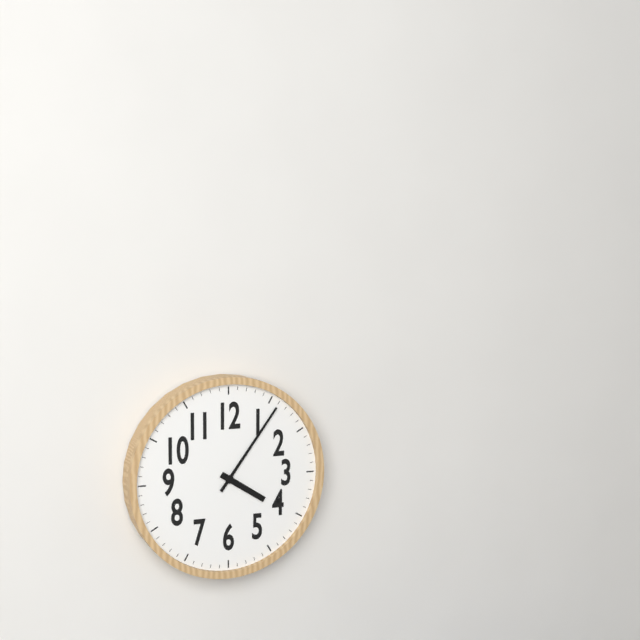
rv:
4.06
